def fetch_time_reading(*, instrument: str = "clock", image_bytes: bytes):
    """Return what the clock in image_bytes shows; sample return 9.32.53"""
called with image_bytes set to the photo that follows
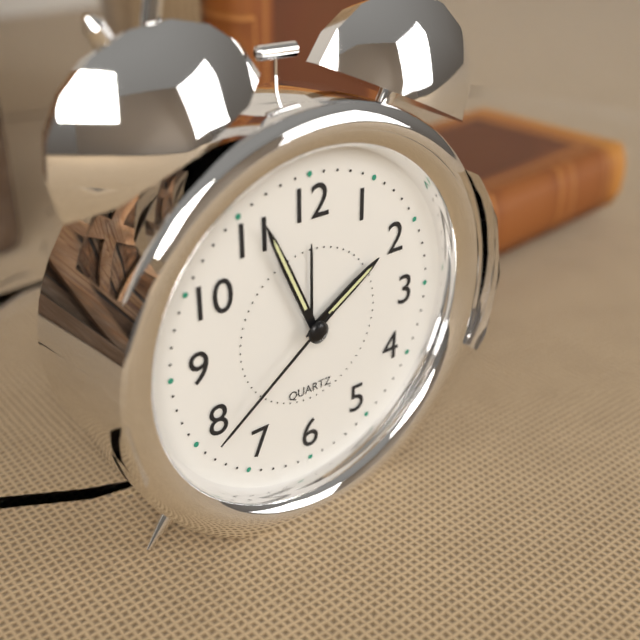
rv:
1.56.39
